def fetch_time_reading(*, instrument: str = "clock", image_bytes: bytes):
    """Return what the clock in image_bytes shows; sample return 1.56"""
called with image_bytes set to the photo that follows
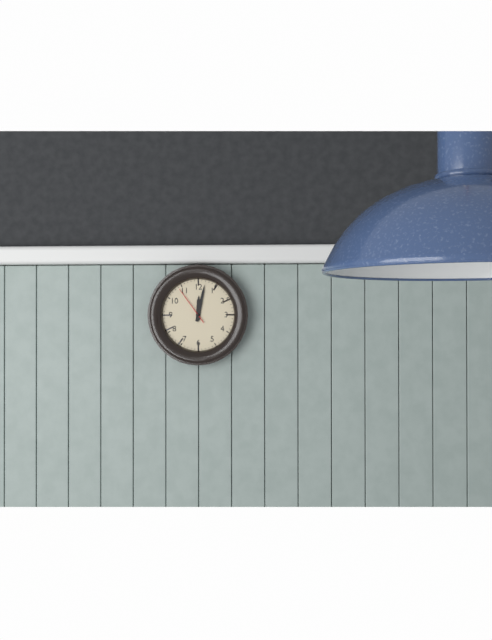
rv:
12.02
